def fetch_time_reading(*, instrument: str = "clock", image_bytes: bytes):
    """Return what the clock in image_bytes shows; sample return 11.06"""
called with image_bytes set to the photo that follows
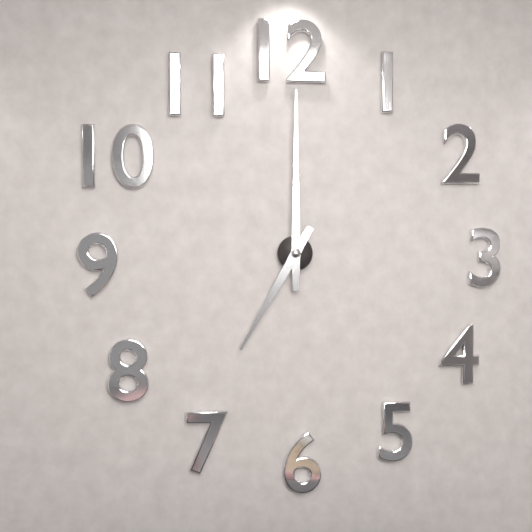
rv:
7.00
